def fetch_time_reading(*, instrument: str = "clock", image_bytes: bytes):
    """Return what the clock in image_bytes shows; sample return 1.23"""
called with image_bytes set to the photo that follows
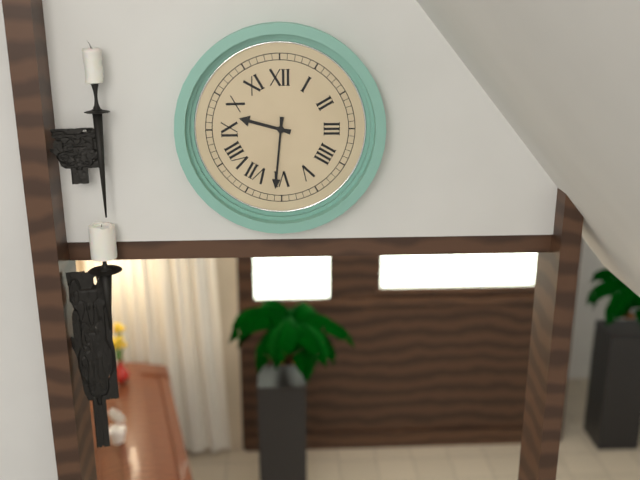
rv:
9.31
